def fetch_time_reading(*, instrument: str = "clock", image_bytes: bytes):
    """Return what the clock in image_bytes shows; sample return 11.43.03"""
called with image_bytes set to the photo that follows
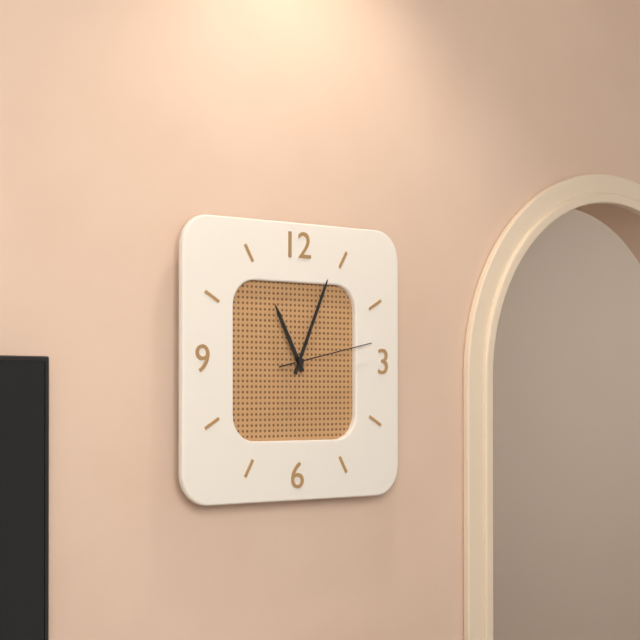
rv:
11.04.13
